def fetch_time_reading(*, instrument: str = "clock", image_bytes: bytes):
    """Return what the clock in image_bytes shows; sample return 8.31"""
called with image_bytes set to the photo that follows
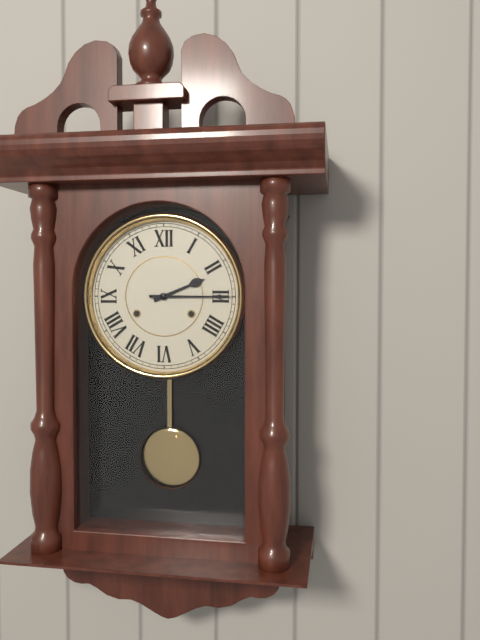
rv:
2.15
